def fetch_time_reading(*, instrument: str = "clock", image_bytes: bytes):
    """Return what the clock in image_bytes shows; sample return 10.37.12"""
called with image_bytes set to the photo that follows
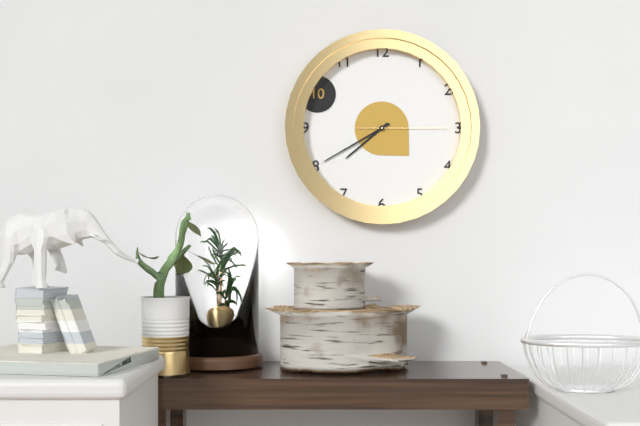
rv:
7.40.15
